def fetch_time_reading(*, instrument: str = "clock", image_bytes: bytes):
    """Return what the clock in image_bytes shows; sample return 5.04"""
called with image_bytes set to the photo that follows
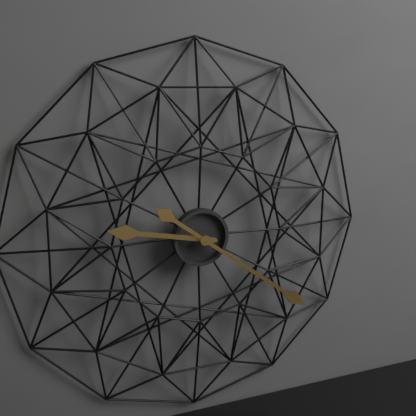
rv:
9.21
